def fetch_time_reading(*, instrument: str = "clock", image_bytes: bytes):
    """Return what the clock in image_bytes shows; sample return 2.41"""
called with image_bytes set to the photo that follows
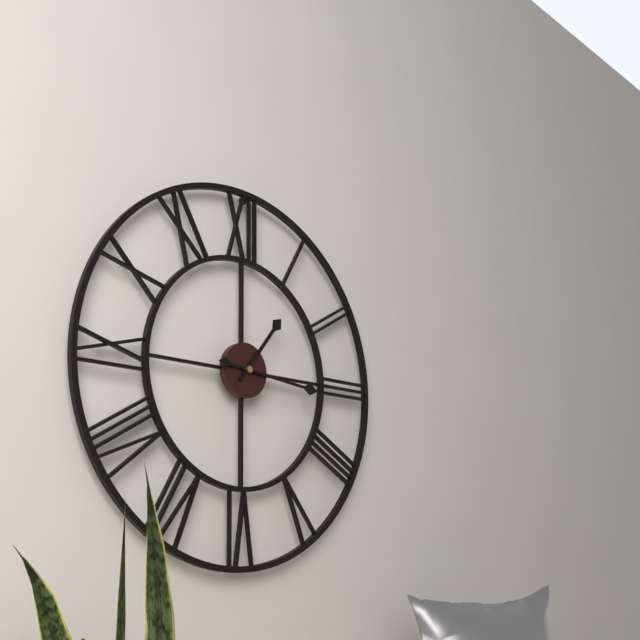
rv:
1.16
